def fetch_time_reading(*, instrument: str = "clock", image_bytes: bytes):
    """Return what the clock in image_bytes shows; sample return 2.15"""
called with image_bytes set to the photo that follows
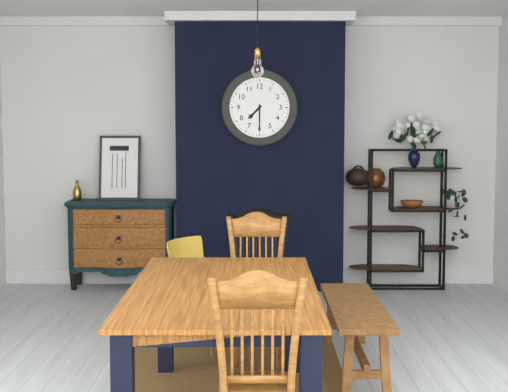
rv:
7.30
